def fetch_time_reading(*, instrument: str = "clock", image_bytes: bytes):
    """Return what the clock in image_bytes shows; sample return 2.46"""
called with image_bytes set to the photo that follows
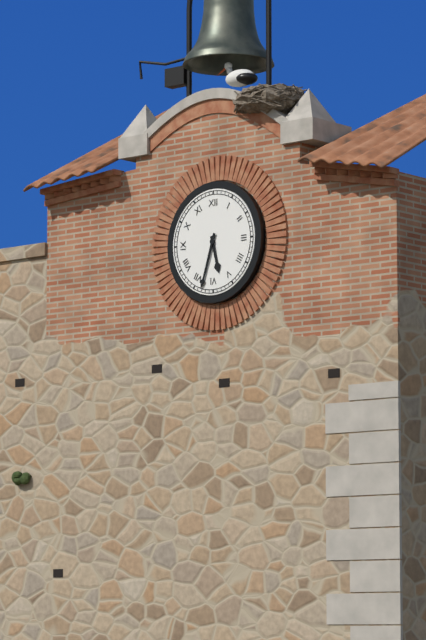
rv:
5.33
